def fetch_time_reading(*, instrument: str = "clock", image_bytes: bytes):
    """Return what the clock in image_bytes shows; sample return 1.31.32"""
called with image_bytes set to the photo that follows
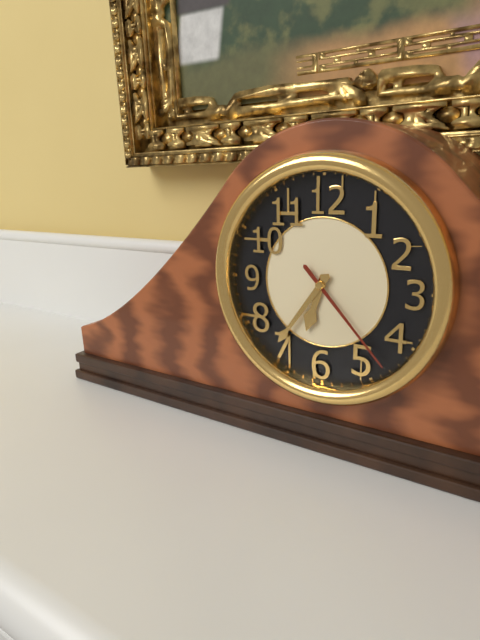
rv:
6.36.23
